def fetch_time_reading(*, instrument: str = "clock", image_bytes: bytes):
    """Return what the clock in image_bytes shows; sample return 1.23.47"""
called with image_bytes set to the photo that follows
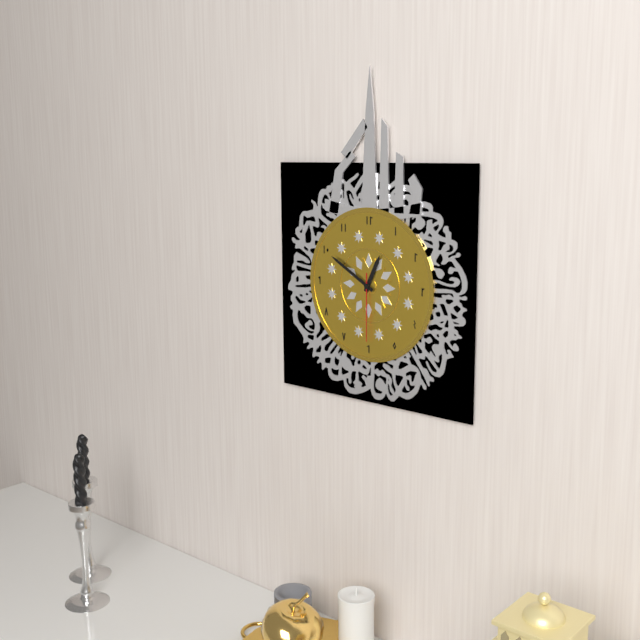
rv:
12.50.30
